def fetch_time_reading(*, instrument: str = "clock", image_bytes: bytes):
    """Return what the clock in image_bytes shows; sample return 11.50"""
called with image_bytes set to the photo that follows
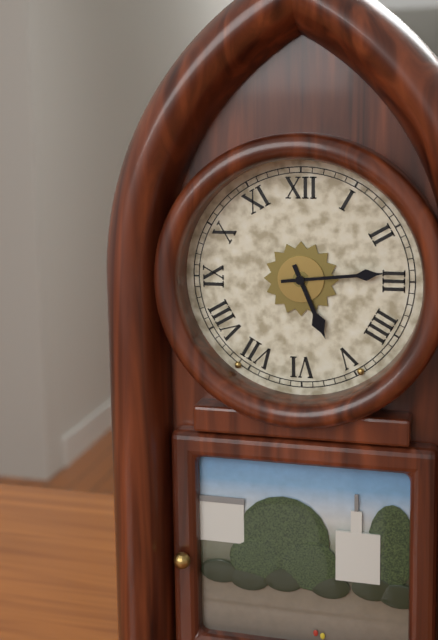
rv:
5.14
